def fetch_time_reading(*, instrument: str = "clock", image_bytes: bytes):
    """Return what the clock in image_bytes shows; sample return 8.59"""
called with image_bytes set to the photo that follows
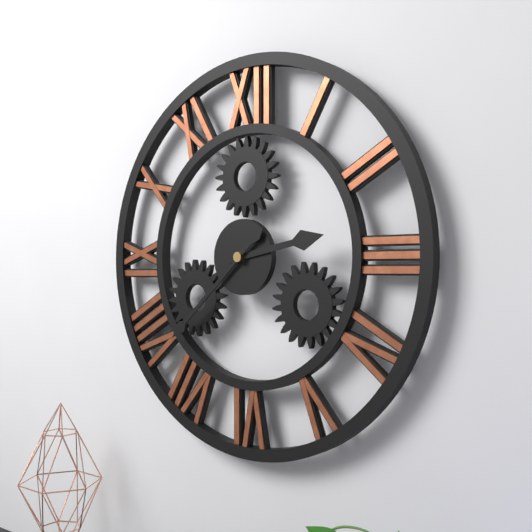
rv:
2.38
